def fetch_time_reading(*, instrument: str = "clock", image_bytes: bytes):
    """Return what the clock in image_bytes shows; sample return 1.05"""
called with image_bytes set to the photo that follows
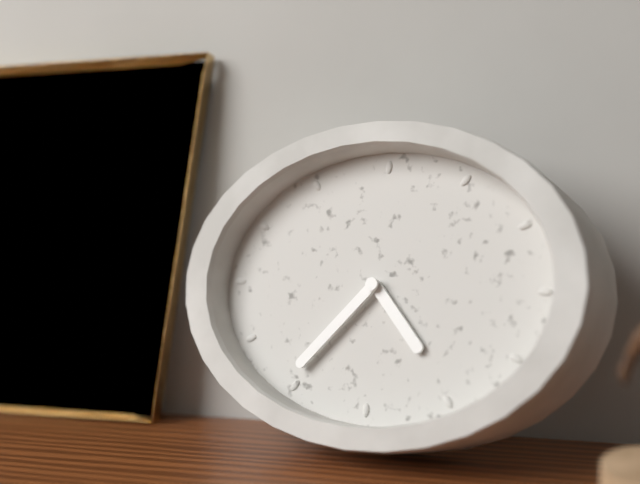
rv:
4.37
